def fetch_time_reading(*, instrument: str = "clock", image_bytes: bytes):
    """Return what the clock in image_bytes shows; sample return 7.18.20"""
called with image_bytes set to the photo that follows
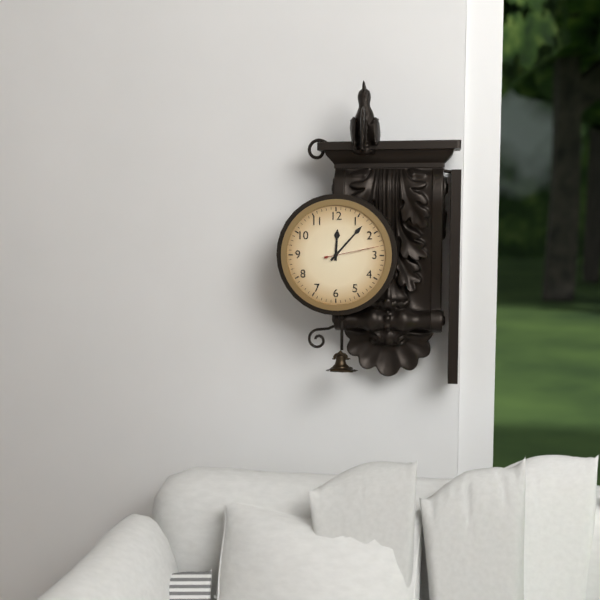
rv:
12.07.13
